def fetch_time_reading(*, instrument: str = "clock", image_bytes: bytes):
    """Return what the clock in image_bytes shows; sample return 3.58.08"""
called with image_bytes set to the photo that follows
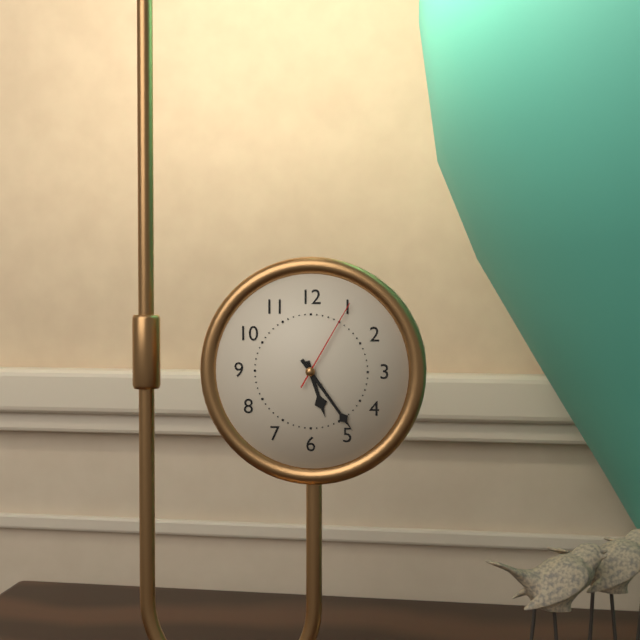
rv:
5.24.05
